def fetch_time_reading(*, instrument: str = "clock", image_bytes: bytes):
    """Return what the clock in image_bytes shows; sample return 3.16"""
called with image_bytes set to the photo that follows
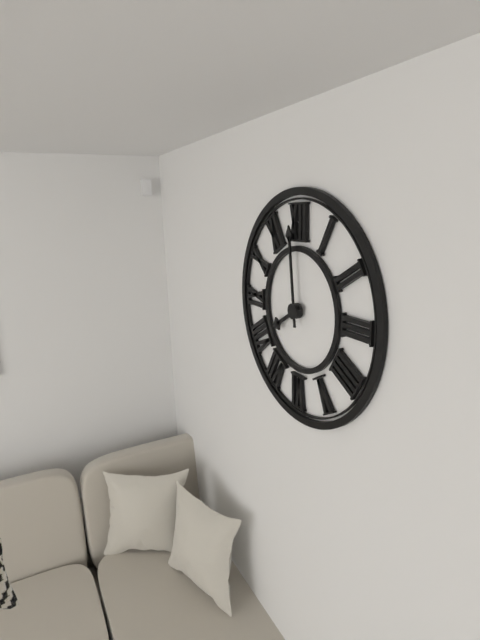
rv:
7.59
